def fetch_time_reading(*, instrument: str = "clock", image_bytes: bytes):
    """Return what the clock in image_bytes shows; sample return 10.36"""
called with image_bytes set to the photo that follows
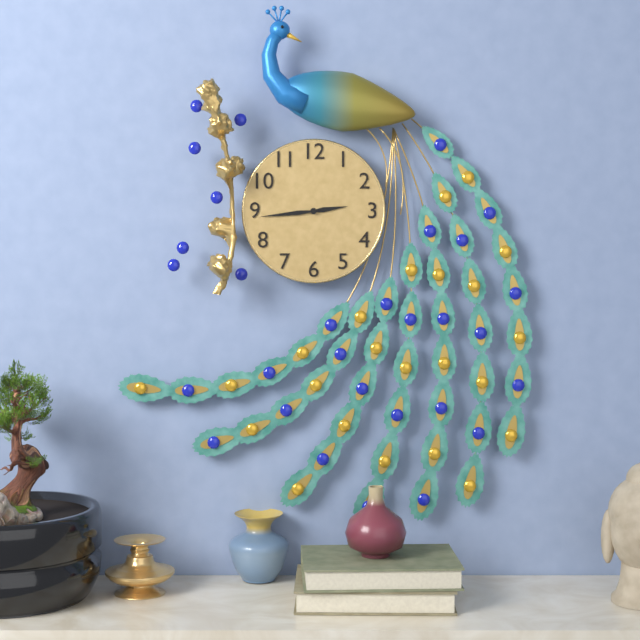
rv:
2.44
